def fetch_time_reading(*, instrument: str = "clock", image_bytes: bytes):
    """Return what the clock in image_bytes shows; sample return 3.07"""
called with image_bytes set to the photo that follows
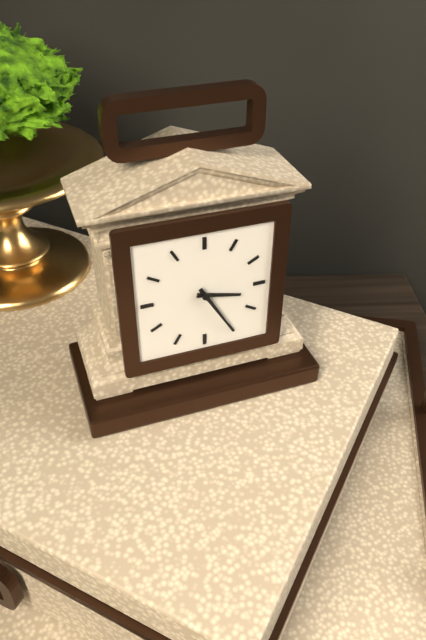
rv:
3.25
